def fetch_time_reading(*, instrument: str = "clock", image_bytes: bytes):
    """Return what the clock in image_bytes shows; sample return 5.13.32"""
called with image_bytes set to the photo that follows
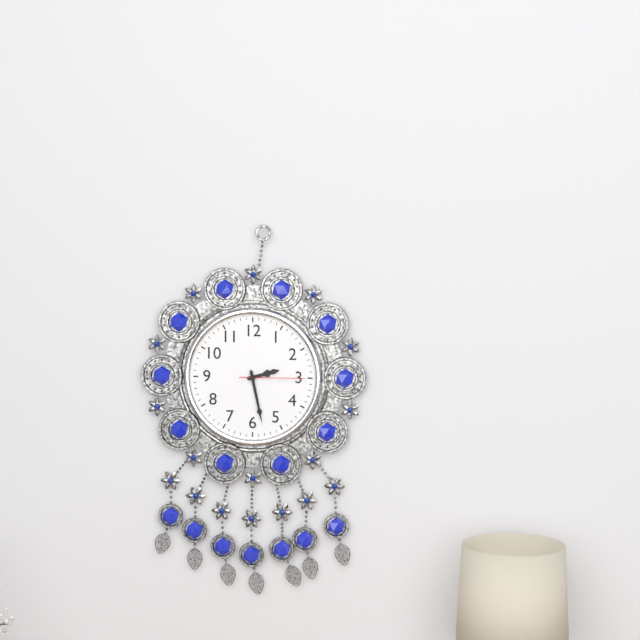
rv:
2.28.15
